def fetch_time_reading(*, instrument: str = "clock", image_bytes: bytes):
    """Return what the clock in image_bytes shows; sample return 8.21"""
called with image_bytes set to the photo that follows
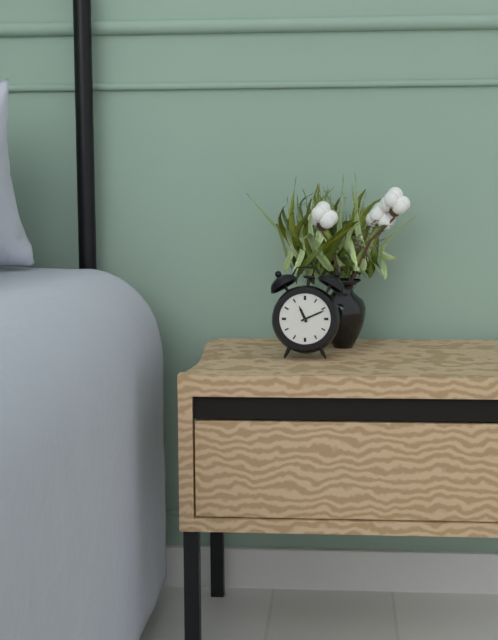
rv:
11.11
